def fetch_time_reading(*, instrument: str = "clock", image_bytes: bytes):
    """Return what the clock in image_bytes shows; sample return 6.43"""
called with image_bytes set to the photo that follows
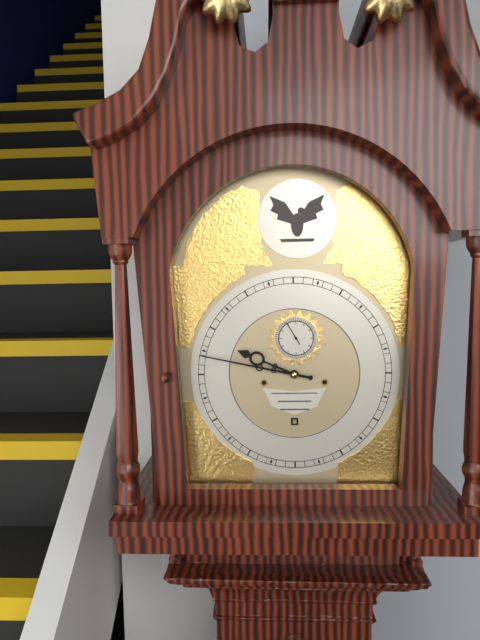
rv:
9.47
